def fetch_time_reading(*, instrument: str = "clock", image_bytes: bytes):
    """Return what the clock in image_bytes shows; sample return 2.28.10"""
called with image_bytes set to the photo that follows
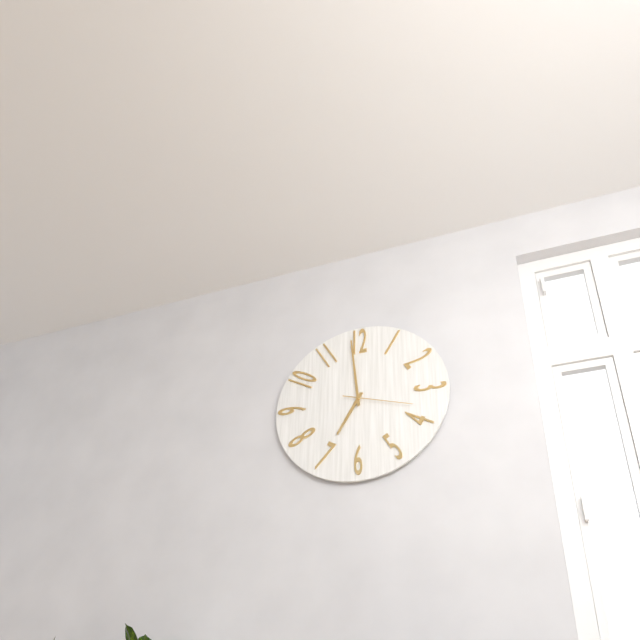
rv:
6.59.18
